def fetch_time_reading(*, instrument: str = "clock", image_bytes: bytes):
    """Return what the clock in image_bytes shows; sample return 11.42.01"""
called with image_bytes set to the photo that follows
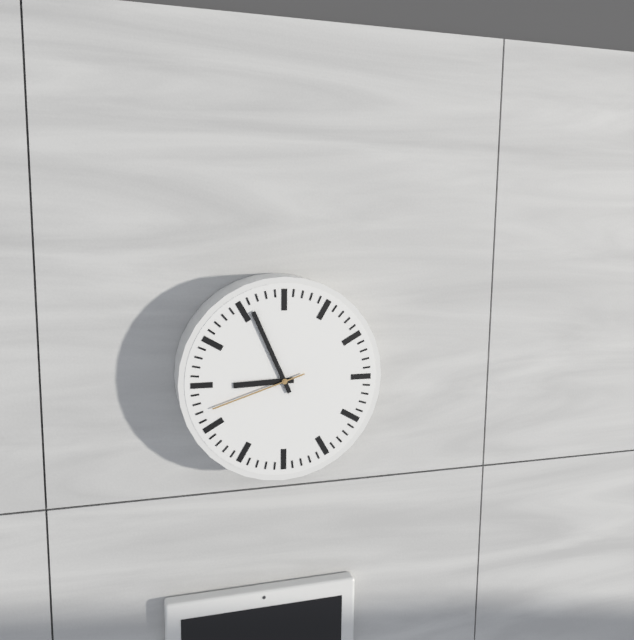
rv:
8.56.42
